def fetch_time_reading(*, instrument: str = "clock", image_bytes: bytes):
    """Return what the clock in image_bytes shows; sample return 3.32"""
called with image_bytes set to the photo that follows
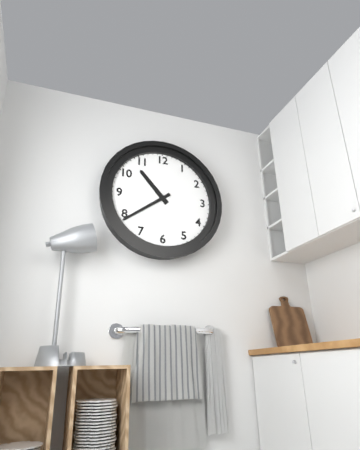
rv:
10.39
